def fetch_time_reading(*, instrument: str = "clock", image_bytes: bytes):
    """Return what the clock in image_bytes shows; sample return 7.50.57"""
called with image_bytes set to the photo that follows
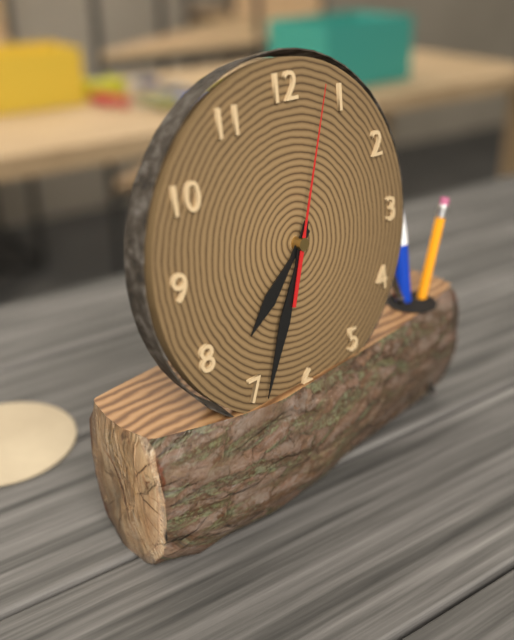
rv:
7.34.03
